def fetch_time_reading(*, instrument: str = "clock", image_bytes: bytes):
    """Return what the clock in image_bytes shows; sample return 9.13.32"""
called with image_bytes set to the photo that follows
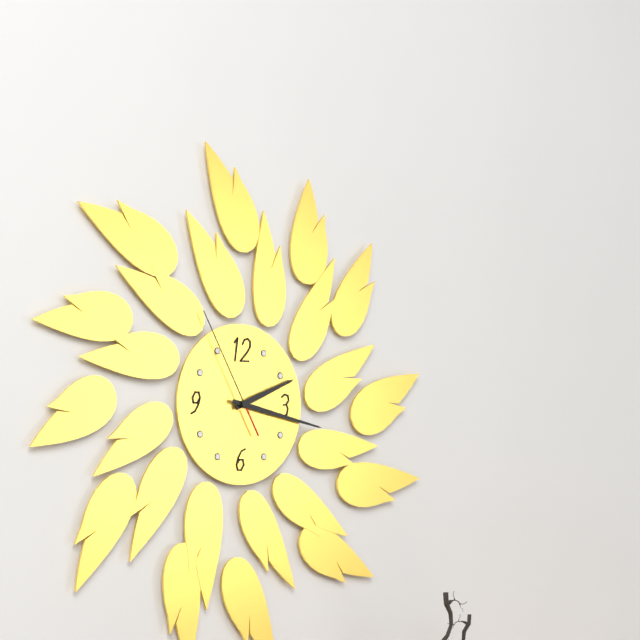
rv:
2.17.55
